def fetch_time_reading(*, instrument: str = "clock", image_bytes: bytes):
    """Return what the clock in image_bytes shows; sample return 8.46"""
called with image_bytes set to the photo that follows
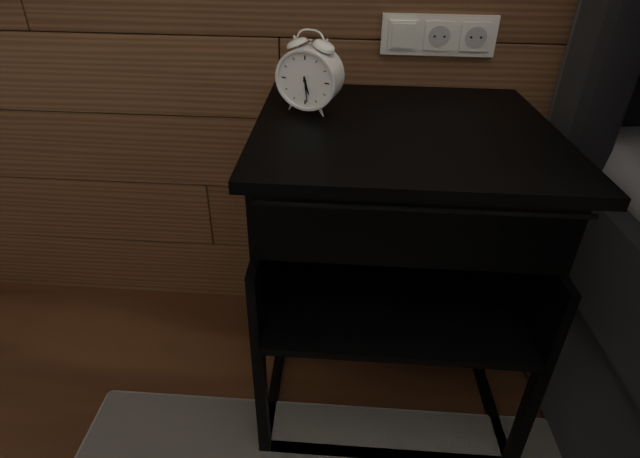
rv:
5.29
